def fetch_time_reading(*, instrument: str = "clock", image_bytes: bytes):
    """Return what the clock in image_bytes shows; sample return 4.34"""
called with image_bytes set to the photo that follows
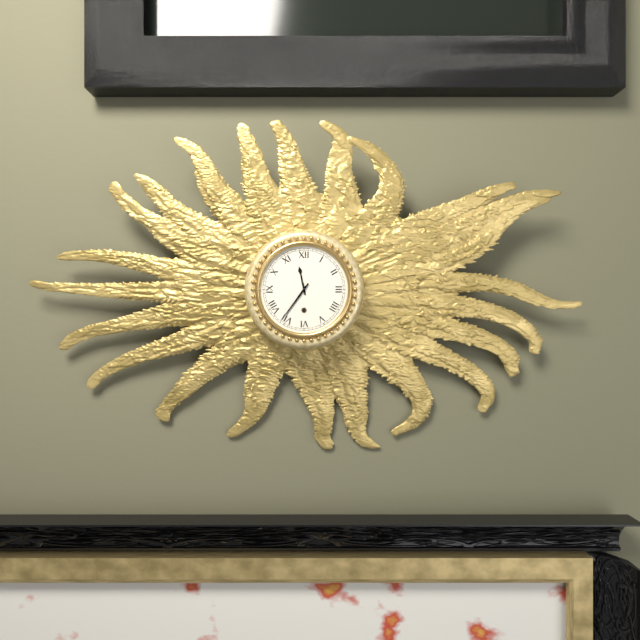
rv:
11.36
